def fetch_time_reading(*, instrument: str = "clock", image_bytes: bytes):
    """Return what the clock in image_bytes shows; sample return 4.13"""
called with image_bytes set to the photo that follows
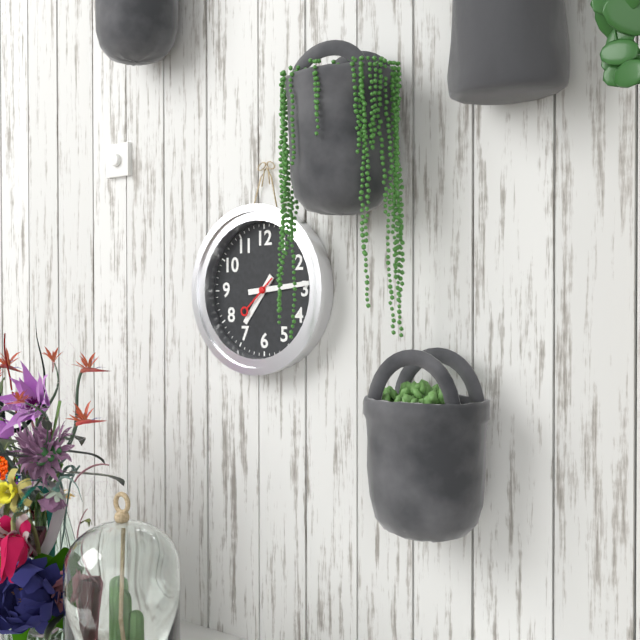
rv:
7.14
